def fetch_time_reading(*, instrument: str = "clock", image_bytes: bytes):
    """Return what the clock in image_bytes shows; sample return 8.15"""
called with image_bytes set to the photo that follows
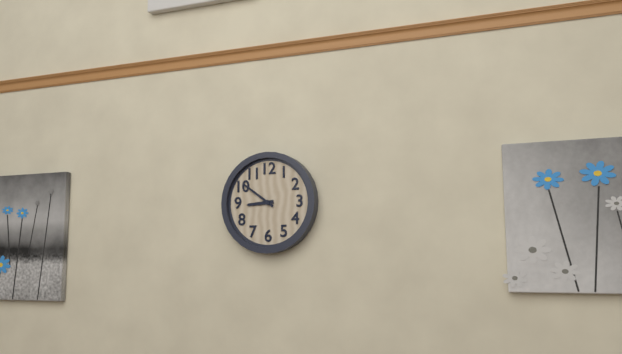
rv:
8.51
